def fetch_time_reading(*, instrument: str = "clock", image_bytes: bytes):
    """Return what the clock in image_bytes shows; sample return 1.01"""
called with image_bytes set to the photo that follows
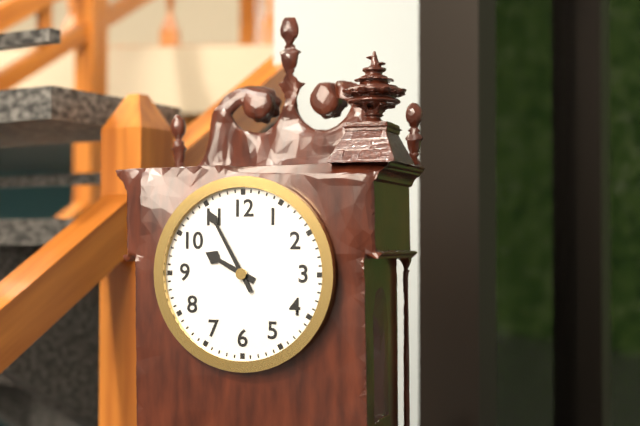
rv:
9.55
